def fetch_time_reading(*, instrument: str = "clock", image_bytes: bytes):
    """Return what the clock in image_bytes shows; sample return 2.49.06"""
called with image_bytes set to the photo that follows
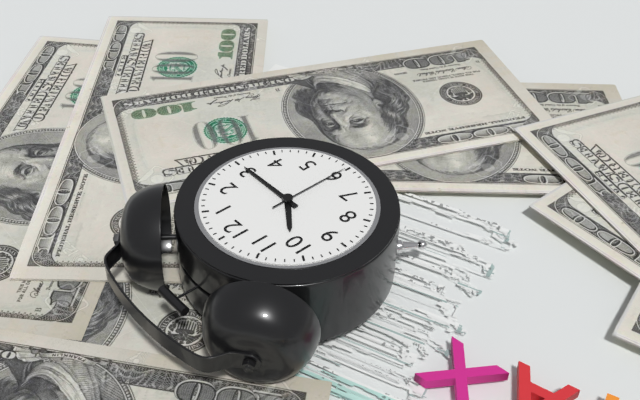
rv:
10.15.30
